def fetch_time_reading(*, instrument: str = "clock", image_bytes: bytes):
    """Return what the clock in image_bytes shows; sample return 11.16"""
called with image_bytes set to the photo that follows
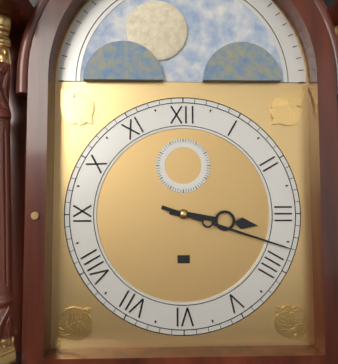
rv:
3.18
